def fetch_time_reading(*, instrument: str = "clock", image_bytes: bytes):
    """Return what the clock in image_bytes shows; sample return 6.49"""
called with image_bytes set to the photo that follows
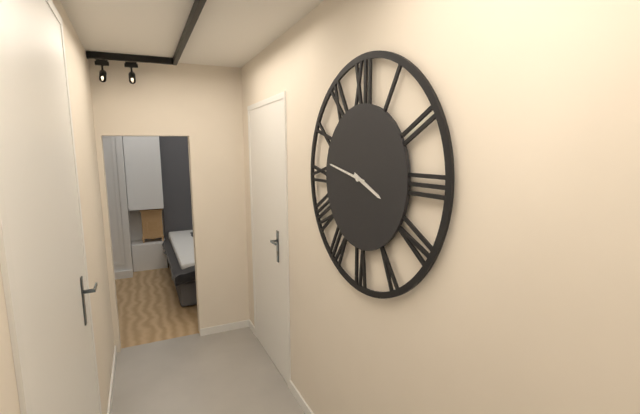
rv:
3.47
